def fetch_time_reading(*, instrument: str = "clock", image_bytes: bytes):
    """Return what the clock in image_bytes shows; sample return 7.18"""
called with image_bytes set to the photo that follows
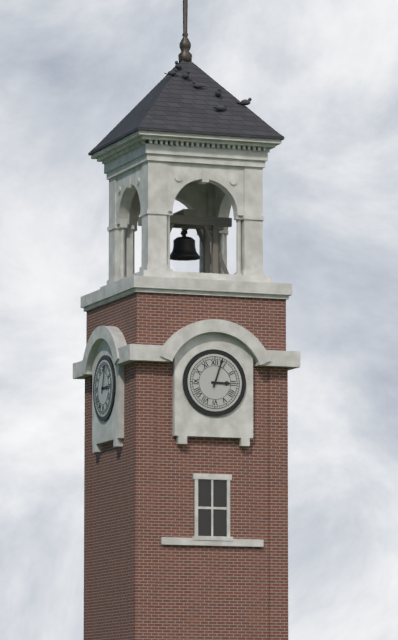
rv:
3.03
